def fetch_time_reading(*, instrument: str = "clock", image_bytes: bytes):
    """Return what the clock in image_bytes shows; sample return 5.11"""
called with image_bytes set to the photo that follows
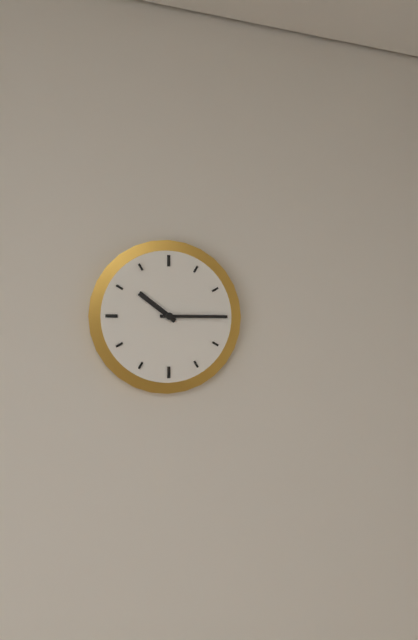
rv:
10.15
